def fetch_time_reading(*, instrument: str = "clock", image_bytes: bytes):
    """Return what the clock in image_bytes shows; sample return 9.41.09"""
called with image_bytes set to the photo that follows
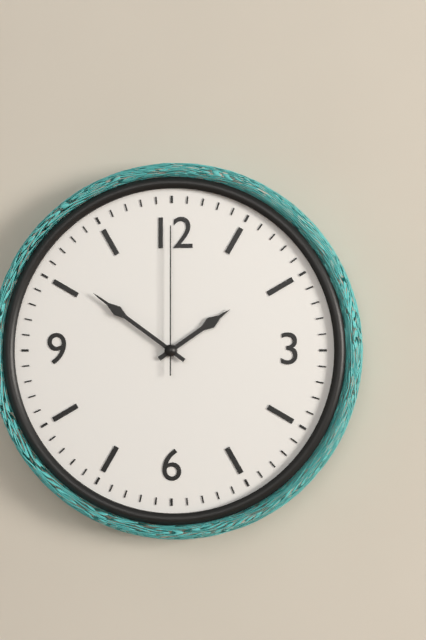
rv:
1.51.00
